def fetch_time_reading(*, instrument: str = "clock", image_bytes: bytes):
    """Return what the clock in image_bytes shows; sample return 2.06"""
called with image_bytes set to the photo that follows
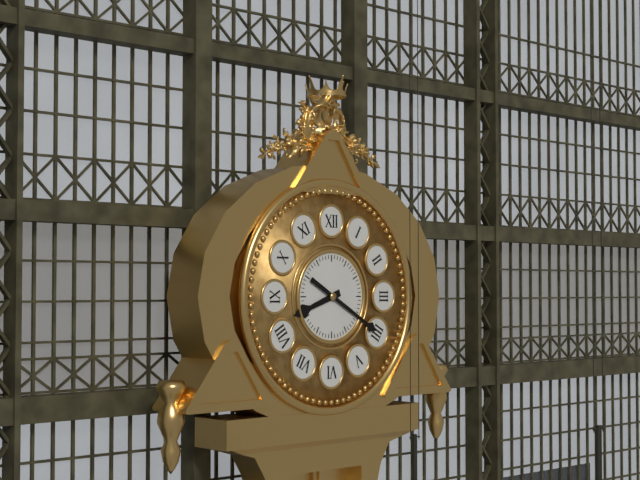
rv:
8.20
